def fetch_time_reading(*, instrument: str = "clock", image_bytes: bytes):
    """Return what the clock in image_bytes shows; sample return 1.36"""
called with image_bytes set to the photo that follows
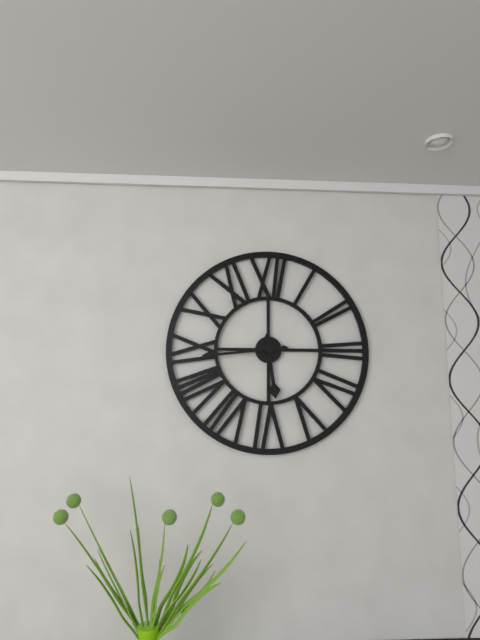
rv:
5.44
